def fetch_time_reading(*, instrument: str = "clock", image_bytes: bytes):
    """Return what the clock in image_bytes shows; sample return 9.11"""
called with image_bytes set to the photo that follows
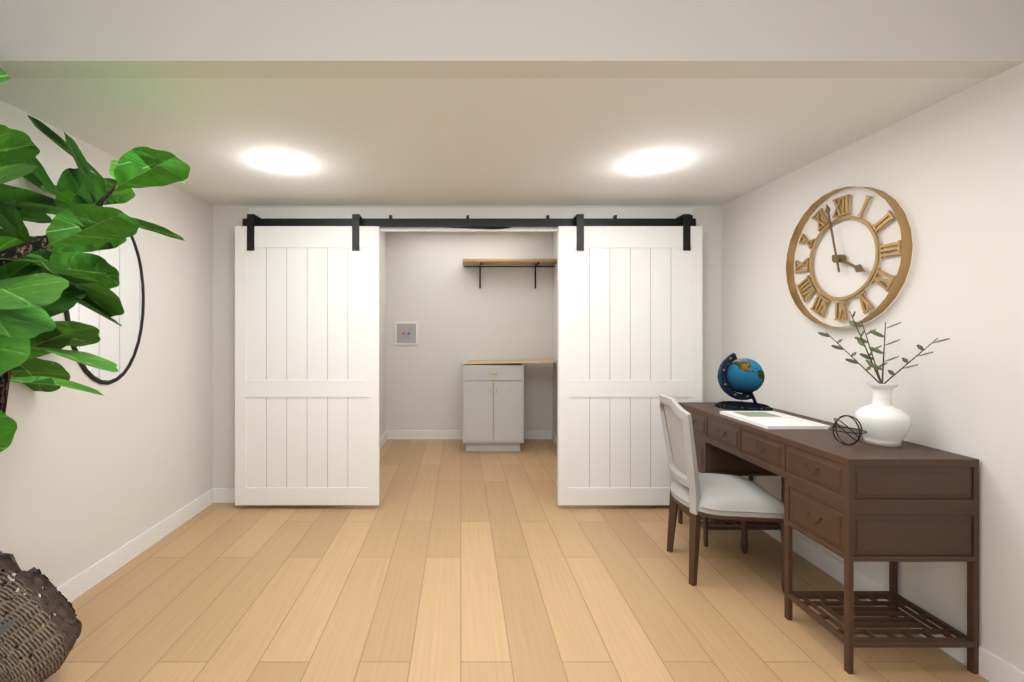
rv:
3.58
